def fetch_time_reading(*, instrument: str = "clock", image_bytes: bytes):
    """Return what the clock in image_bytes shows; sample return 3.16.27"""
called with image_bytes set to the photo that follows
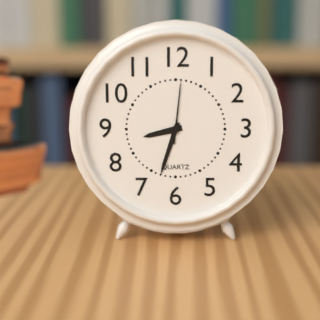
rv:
8.33.01
